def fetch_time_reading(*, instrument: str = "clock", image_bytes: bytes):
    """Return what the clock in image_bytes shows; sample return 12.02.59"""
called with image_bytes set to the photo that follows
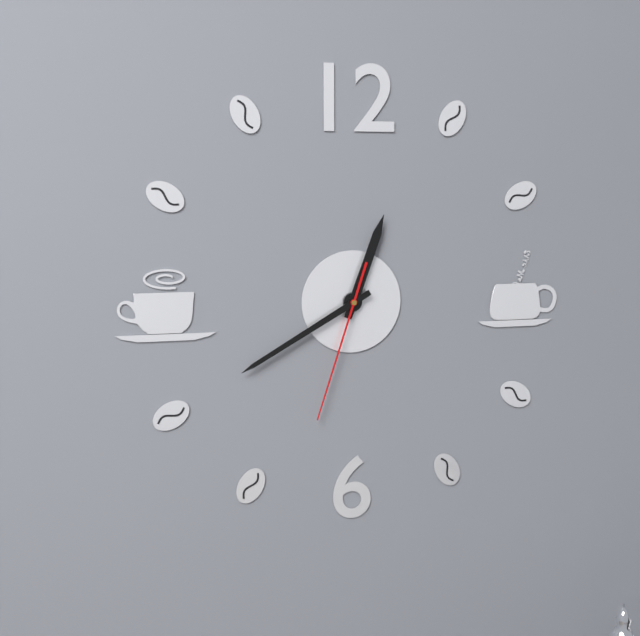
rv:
12.40.33
